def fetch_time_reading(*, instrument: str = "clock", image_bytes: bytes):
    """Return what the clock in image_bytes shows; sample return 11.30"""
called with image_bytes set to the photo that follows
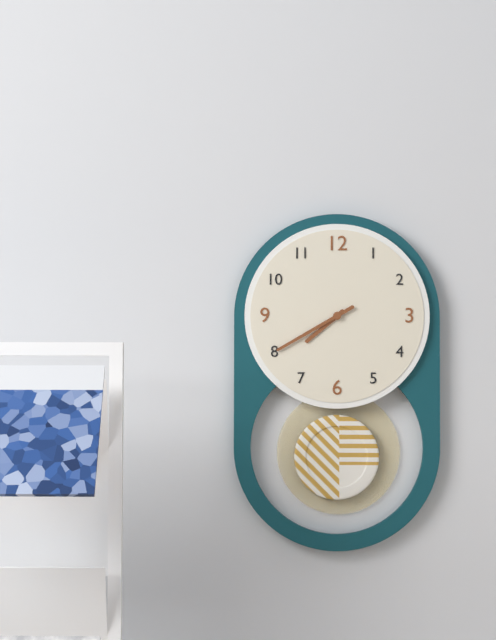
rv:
7.40
